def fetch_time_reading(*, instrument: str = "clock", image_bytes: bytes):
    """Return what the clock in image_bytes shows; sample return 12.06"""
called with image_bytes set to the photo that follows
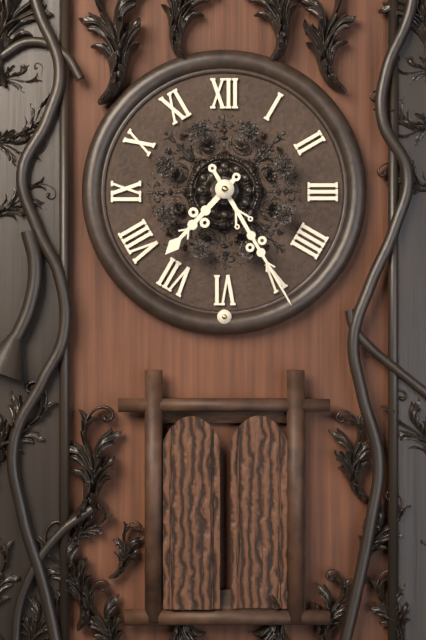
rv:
7.25
